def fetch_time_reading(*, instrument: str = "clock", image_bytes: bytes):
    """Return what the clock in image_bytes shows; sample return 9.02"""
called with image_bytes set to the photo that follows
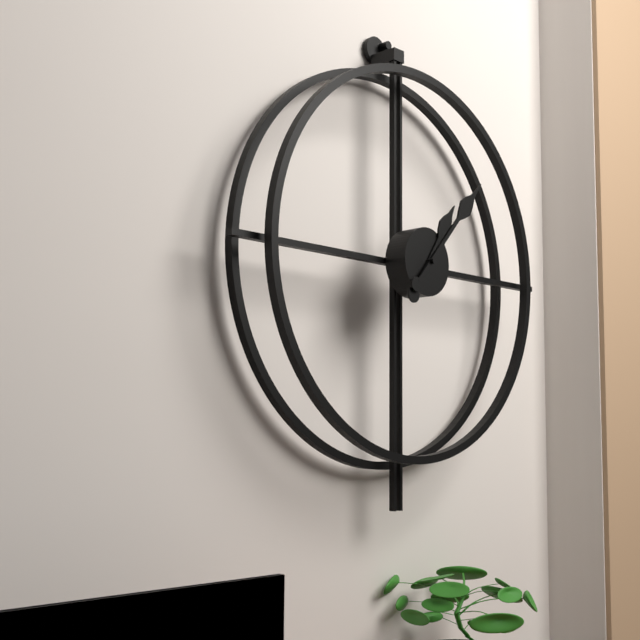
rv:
1.07
